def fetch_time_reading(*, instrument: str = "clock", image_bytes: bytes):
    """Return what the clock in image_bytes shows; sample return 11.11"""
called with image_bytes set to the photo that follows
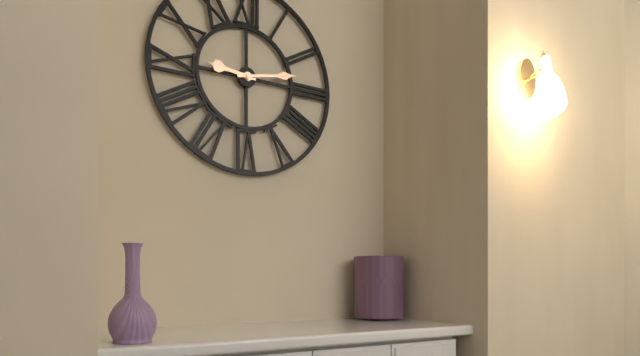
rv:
9.13
